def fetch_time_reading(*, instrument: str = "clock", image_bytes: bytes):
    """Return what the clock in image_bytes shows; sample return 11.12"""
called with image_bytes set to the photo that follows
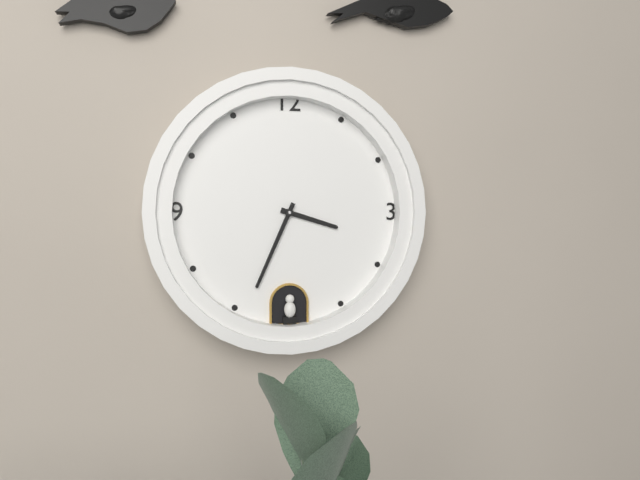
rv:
3.34
